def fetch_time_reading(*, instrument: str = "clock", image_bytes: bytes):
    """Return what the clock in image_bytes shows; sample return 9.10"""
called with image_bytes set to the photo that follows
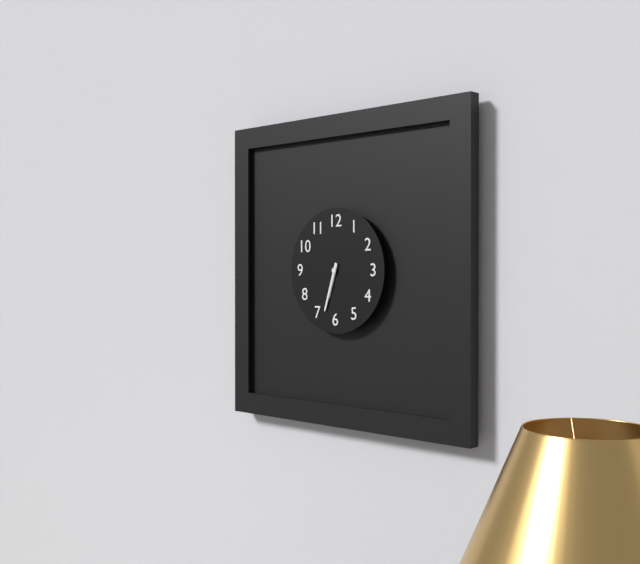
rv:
6.33
